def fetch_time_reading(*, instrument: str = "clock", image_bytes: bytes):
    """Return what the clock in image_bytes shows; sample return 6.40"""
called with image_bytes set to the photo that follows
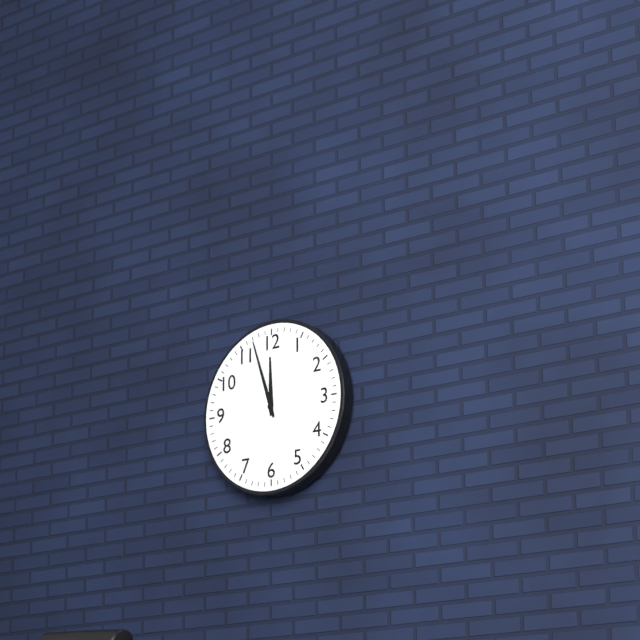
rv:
11.57
